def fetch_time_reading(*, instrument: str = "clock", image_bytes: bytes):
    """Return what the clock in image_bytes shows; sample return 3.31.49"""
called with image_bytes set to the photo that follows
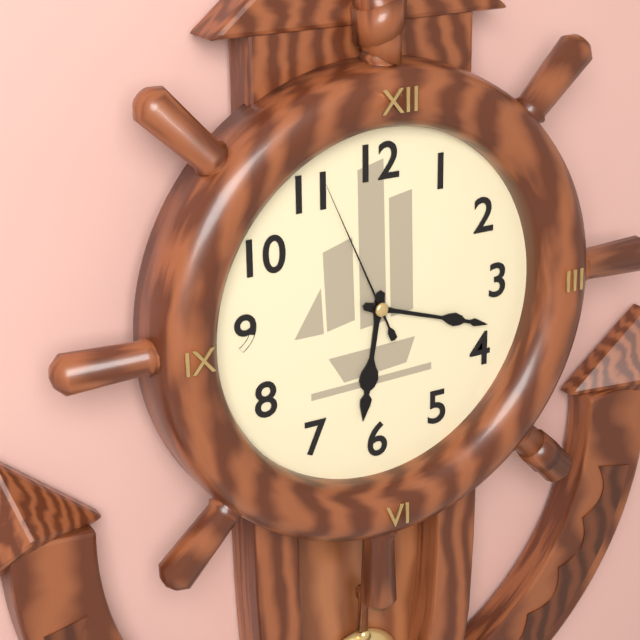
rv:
6.18.56
